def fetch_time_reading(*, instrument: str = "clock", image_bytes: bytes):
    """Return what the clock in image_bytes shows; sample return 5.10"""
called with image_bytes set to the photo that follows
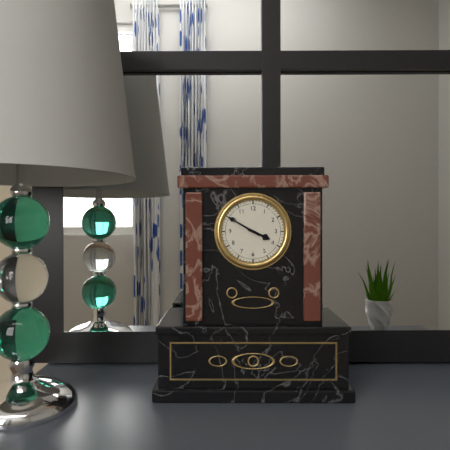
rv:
3.50
